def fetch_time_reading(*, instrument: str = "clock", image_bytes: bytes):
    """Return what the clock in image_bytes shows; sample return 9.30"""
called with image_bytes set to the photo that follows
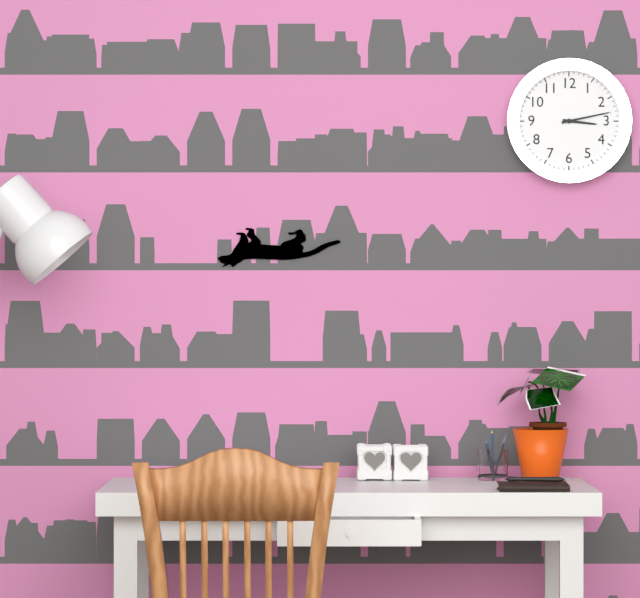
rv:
3.13
